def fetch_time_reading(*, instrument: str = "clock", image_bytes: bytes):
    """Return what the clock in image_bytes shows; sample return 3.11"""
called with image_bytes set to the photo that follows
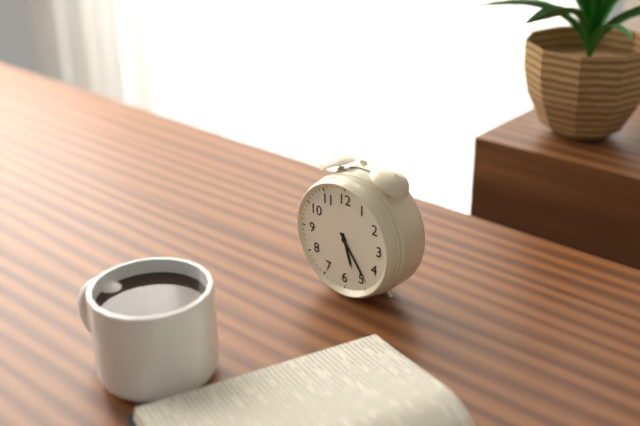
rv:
5.24
